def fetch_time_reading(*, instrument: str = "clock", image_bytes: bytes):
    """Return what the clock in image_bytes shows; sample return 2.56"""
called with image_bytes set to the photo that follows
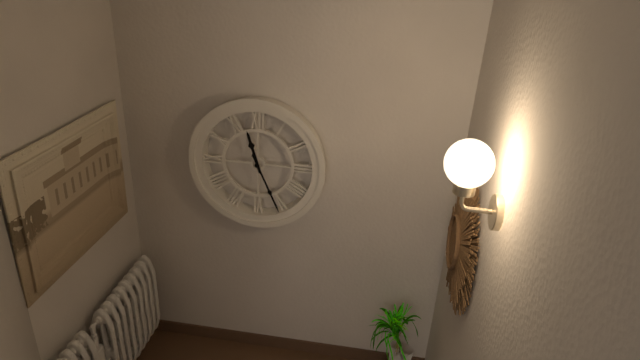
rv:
11.26
